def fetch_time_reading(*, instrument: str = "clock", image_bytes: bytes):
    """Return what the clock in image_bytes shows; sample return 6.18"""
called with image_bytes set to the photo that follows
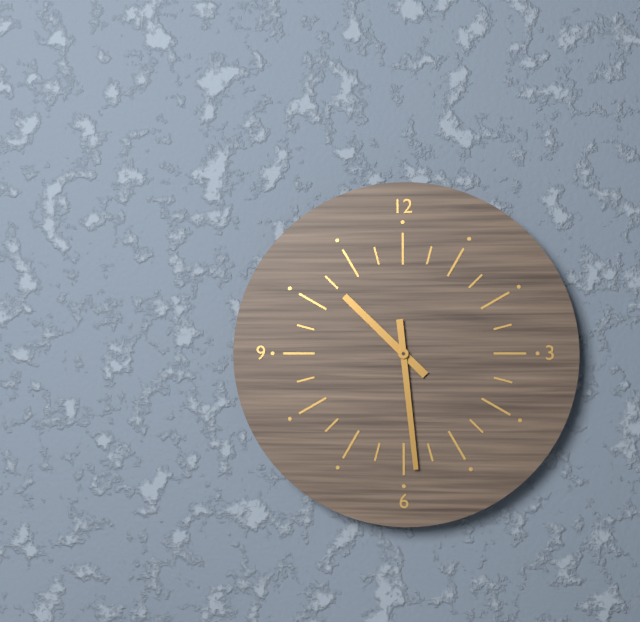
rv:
10.29
